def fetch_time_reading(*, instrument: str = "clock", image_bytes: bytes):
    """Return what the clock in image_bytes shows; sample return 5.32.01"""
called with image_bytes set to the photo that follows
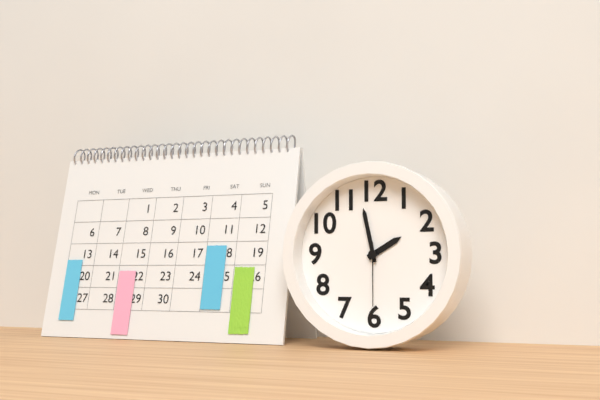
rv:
1.58.30
